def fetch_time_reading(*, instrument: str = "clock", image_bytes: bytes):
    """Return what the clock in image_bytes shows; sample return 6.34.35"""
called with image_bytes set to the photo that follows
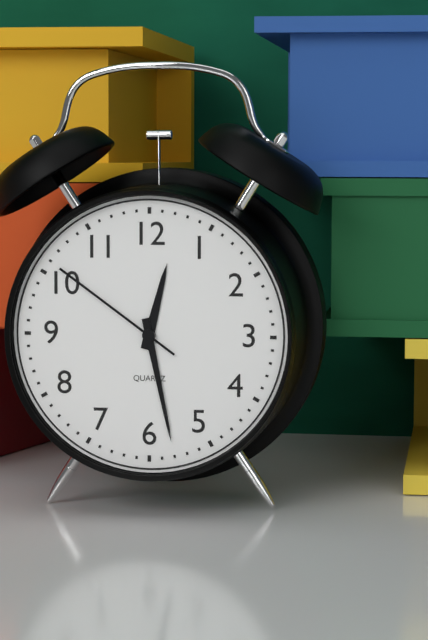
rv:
12.28.51
